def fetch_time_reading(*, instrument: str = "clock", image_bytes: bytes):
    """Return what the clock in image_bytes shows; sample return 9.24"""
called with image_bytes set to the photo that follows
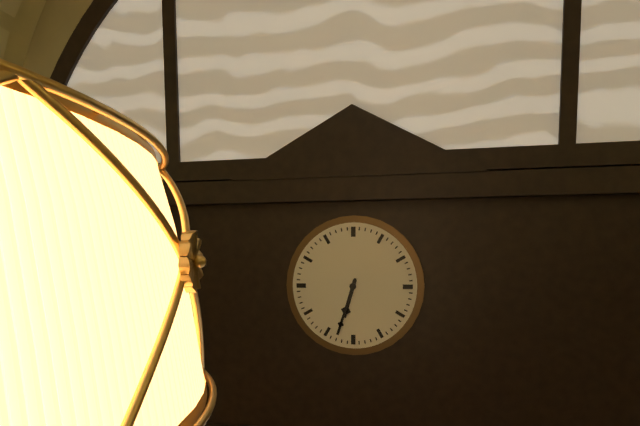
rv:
6.33
